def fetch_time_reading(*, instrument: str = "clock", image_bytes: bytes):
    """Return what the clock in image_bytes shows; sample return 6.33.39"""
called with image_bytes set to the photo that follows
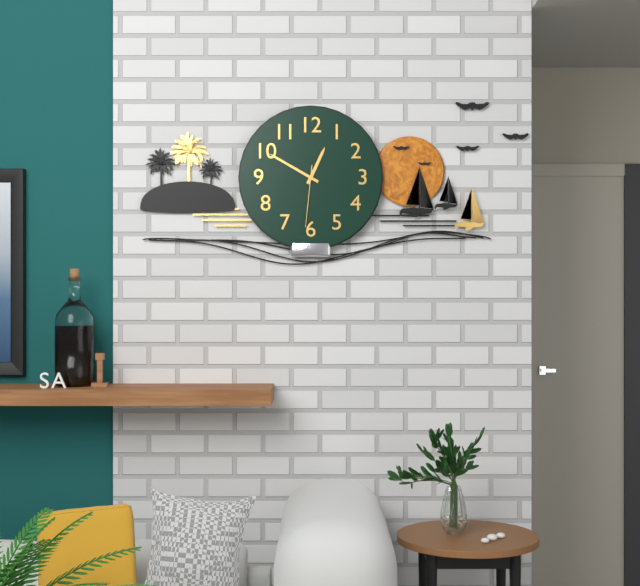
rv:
12.50.31
